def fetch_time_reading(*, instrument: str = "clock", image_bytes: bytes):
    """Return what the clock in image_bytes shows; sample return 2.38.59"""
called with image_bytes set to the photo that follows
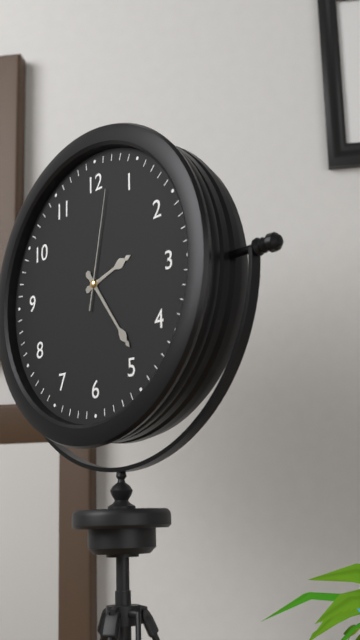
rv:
2.24.02
